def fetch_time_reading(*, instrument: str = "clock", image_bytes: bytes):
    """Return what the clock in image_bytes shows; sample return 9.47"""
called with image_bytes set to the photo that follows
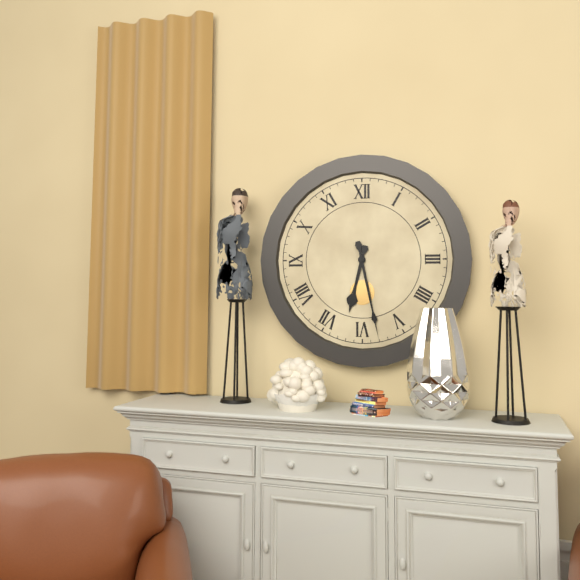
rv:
6.28
